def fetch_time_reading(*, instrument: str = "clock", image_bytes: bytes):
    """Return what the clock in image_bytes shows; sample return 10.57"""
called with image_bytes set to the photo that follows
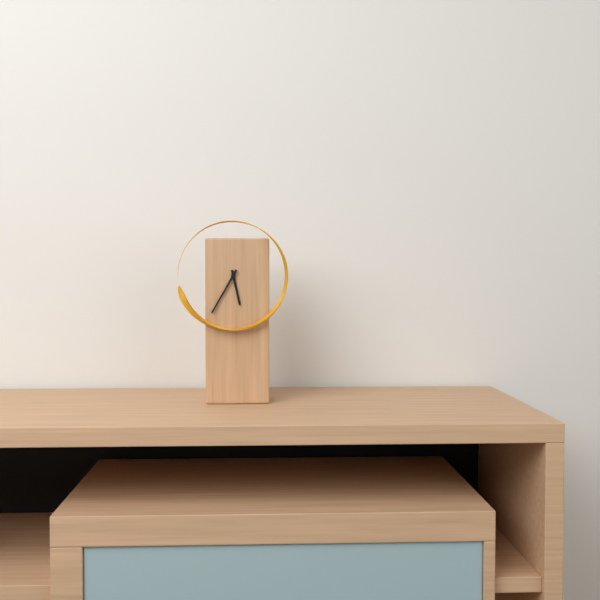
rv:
5.35
